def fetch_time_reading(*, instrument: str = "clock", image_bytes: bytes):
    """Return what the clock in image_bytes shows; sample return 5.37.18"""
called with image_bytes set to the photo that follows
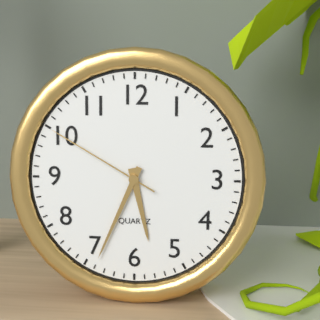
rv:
5.34.50
